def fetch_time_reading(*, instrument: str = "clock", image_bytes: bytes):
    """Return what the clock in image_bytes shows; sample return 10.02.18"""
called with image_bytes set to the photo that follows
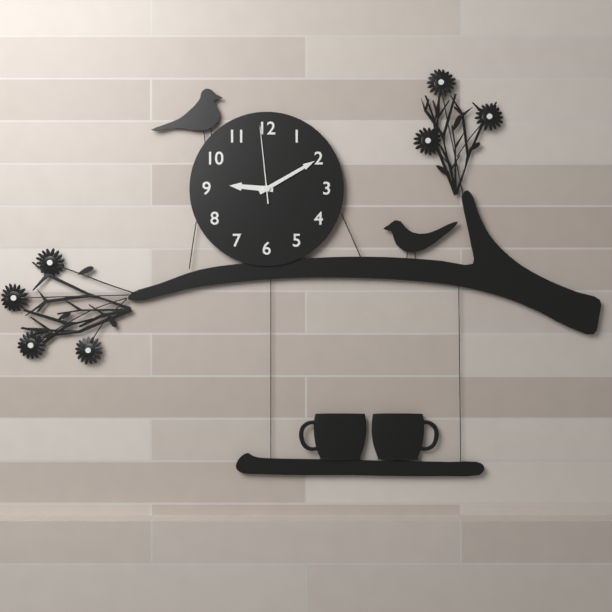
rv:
9.10.59
